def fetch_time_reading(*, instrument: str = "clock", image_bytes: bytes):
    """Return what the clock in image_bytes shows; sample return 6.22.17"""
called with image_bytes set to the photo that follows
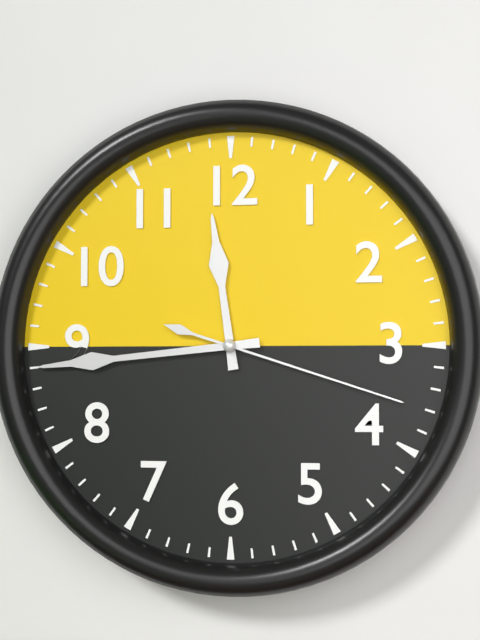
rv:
11.44.18
